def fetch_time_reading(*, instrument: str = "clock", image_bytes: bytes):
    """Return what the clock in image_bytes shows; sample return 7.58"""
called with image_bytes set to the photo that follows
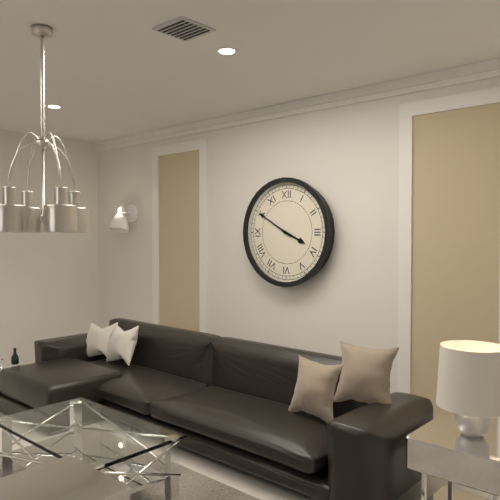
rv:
3.50
